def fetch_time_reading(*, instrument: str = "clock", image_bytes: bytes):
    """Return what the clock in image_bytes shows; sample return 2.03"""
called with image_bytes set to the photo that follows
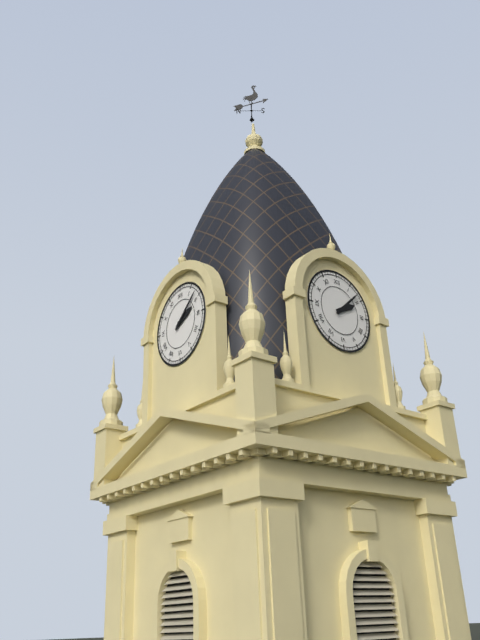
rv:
2.08
